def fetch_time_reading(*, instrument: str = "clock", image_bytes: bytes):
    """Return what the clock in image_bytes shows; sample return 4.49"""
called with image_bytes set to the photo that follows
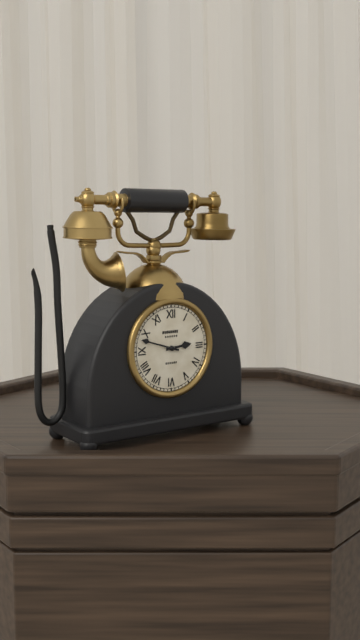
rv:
2.48
